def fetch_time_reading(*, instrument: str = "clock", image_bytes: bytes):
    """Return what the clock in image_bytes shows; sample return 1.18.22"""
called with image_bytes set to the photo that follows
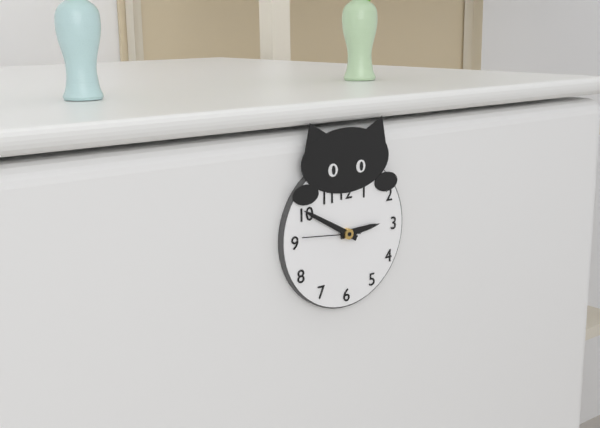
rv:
2.50.46
